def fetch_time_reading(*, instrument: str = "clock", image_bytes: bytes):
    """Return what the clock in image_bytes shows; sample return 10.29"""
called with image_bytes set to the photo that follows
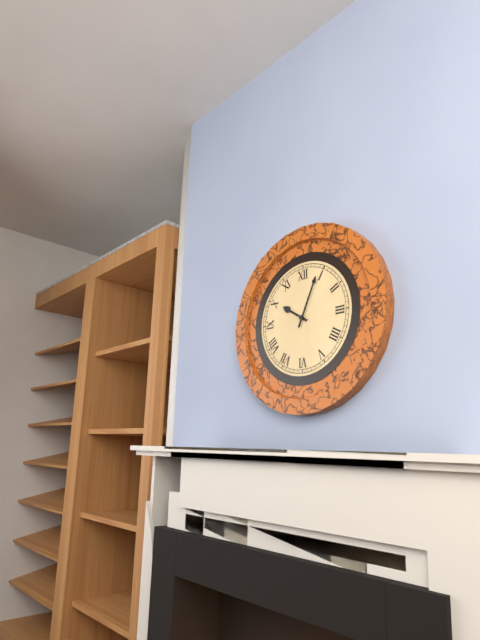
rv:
10.04
